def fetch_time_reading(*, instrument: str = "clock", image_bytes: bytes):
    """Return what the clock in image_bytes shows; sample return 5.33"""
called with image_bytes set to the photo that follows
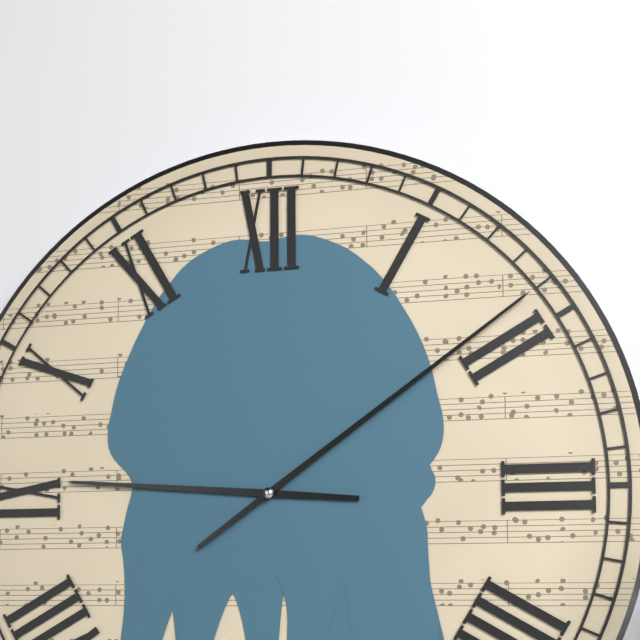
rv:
9.09
